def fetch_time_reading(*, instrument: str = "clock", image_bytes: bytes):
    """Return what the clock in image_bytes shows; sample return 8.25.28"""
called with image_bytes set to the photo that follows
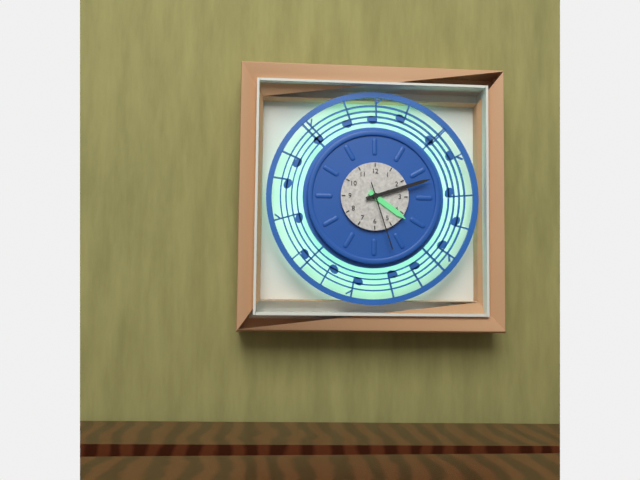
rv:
4.12.27
